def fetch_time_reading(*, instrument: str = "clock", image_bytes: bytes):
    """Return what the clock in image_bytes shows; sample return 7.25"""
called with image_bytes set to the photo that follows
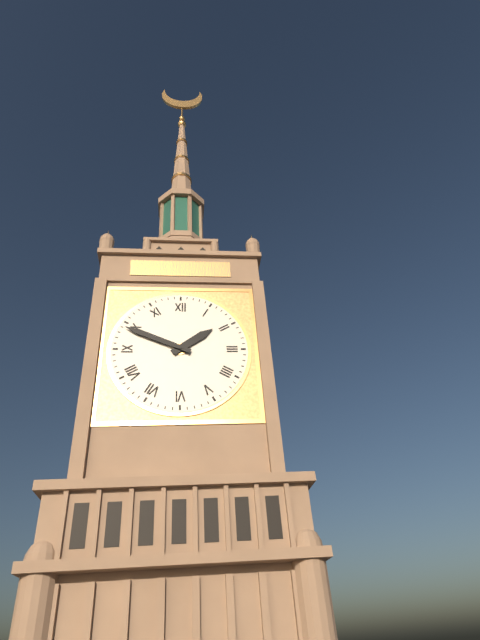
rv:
1.49
